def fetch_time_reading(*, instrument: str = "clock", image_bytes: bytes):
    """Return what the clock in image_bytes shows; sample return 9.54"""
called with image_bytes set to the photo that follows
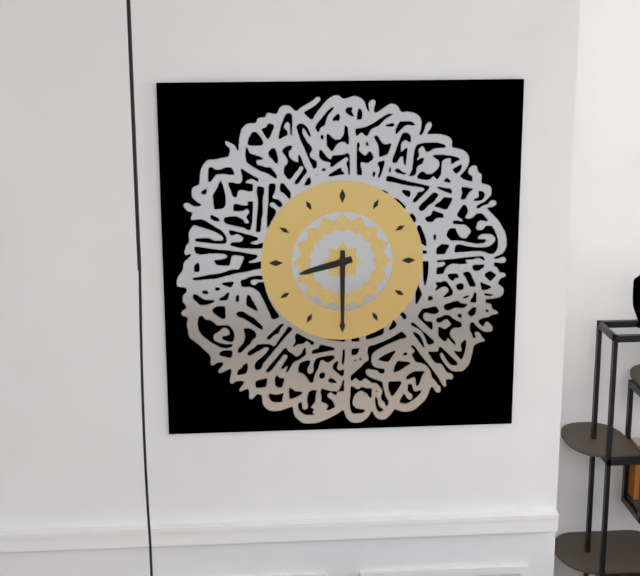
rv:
8.30
